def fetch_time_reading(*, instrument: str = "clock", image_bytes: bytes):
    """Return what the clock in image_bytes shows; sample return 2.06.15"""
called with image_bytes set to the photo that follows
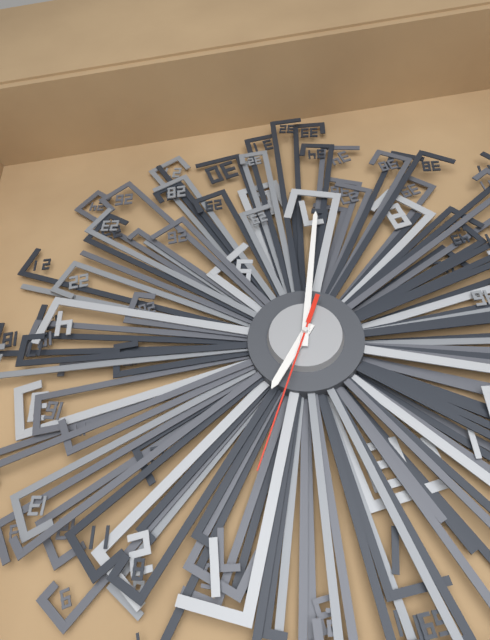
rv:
1.34.06
